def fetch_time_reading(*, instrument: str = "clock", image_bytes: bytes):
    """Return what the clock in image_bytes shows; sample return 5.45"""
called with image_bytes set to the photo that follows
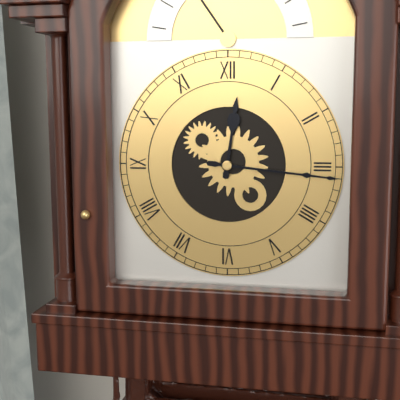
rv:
12.16
